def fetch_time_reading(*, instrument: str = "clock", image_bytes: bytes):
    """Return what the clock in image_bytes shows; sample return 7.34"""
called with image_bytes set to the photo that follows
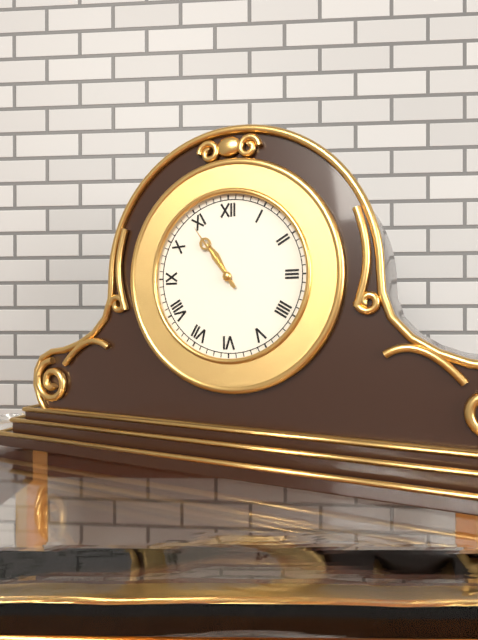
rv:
10.54
